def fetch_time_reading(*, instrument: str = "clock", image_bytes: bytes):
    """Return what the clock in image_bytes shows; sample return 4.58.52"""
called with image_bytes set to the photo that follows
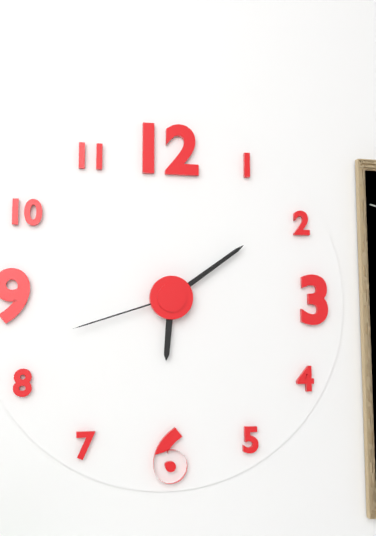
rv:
6.09.42
